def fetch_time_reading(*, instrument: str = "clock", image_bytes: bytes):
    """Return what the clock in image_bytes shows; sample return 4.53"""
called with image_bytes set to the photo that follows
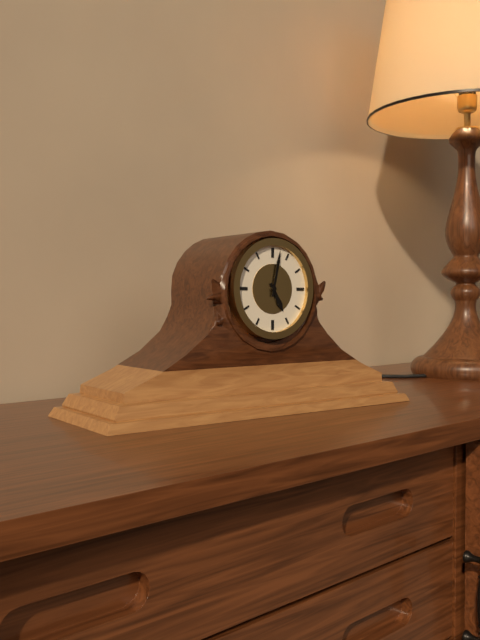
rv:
5.02
